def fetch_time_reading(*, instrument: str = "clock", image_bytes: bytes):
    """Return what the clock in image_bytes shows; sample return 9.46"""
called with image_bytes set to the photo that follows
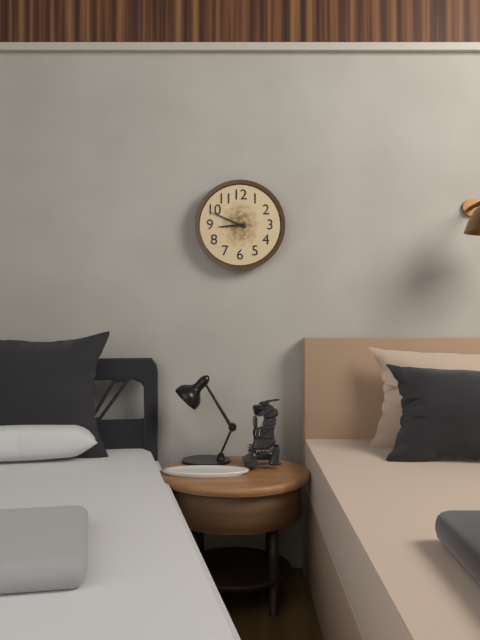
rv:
8.49
